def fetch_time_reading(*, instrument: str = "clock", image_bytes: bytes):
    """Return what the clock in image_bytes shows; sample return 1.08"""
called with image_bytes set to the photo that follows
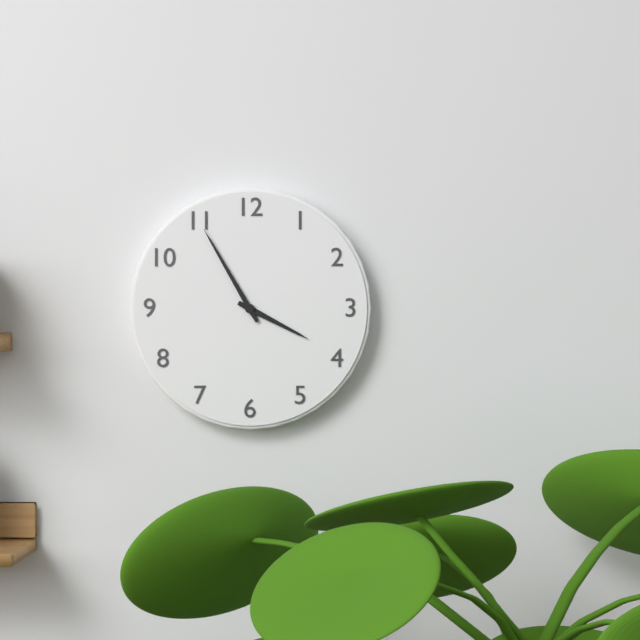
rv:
3.55
